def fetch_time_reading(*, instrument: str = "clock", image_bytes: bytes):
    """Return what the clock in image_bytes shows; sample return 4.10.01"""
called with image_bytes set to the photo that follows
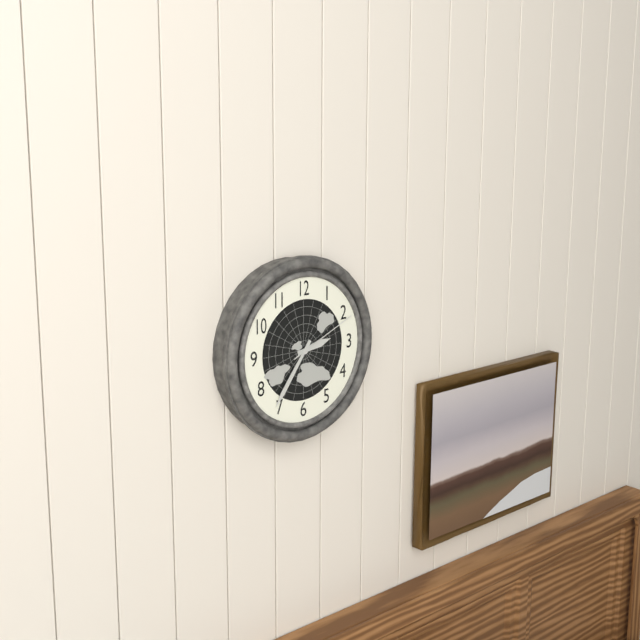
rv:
2.36.11
